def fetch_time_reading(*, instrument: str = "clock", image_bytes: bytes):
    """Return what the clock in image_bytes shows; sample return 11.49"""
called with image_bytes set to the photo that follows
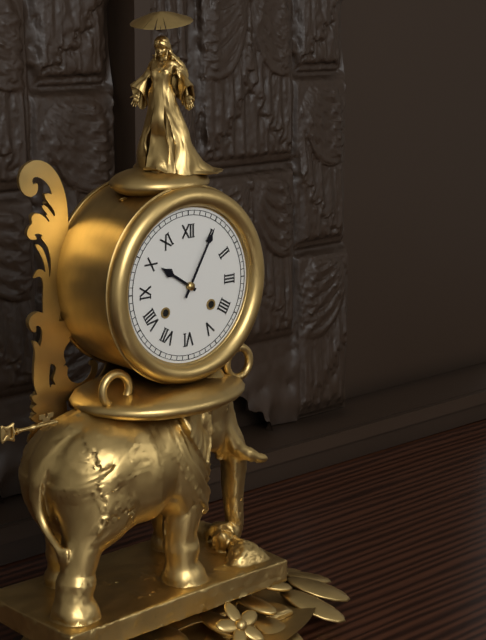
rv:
10.05
